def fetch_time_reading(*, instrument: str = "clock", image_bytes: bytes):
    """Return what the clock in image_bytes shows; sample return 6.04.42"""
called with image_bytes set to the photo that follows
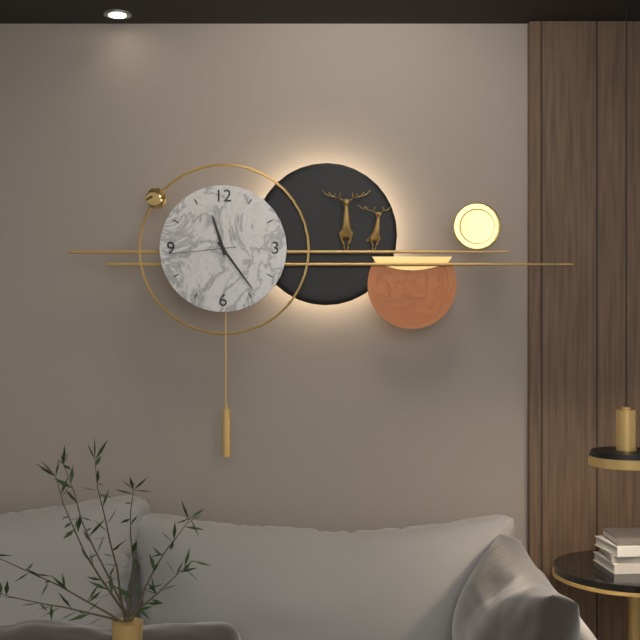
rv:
11.24.44
